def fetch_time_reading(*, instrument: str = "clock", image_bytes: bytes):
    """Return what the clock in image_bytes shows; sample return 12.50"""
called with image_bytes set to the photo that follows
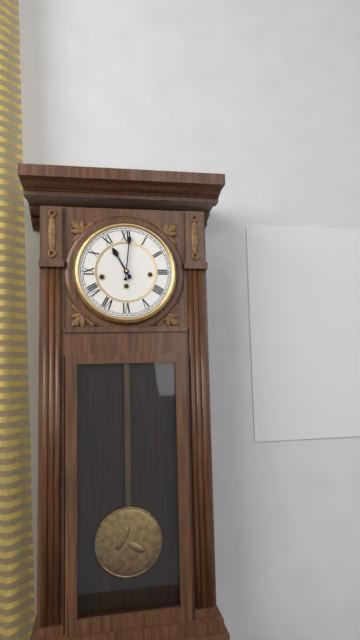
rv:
11.01
